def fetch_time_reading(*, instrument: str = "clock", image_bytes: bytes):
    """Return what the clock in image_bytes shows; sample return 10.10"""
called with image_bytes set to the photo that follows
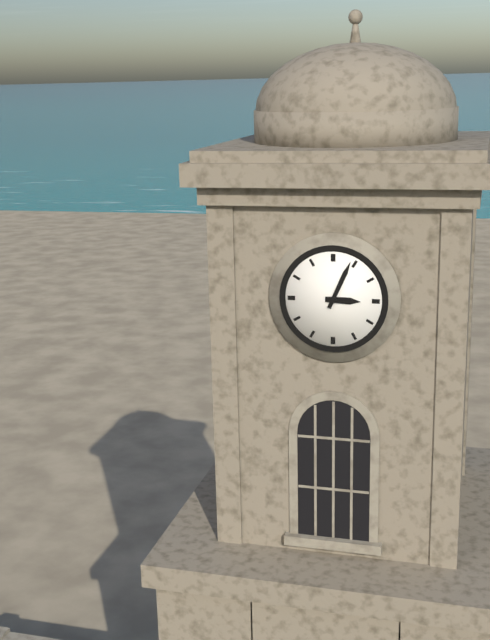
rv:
3.04
